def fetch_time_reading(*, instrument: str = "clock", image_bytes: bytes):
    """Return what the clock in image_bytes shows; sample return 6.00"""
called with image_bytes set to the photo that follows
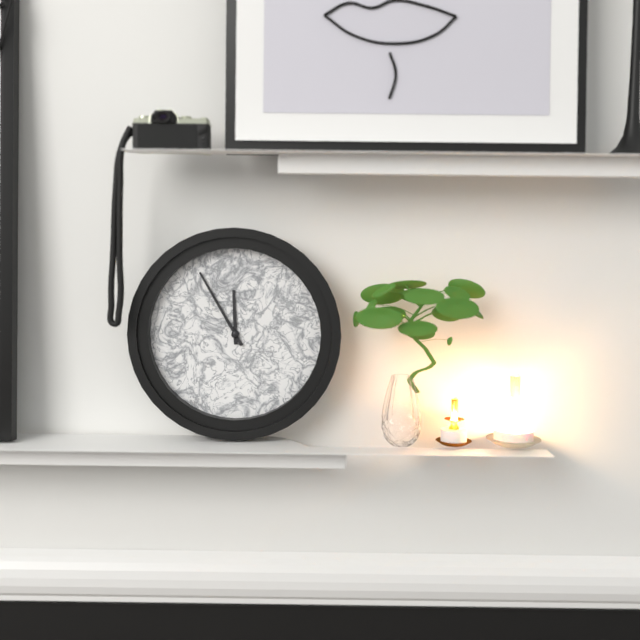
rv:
11.55
